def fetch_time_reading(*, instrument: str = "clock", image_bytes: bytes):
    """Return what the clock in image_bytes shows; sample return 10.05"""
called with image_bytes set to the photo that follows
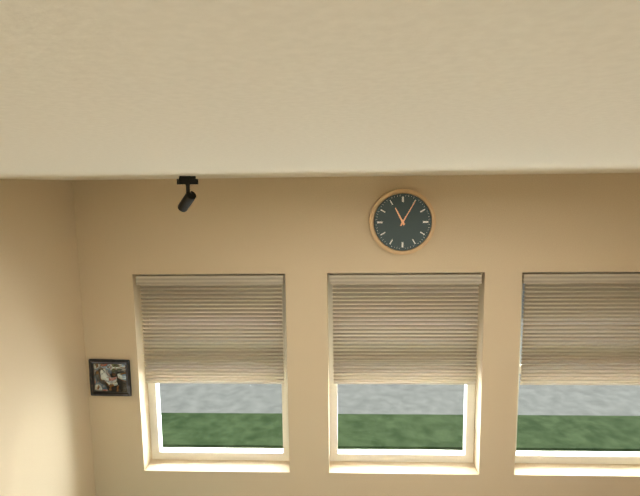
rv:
11.05
